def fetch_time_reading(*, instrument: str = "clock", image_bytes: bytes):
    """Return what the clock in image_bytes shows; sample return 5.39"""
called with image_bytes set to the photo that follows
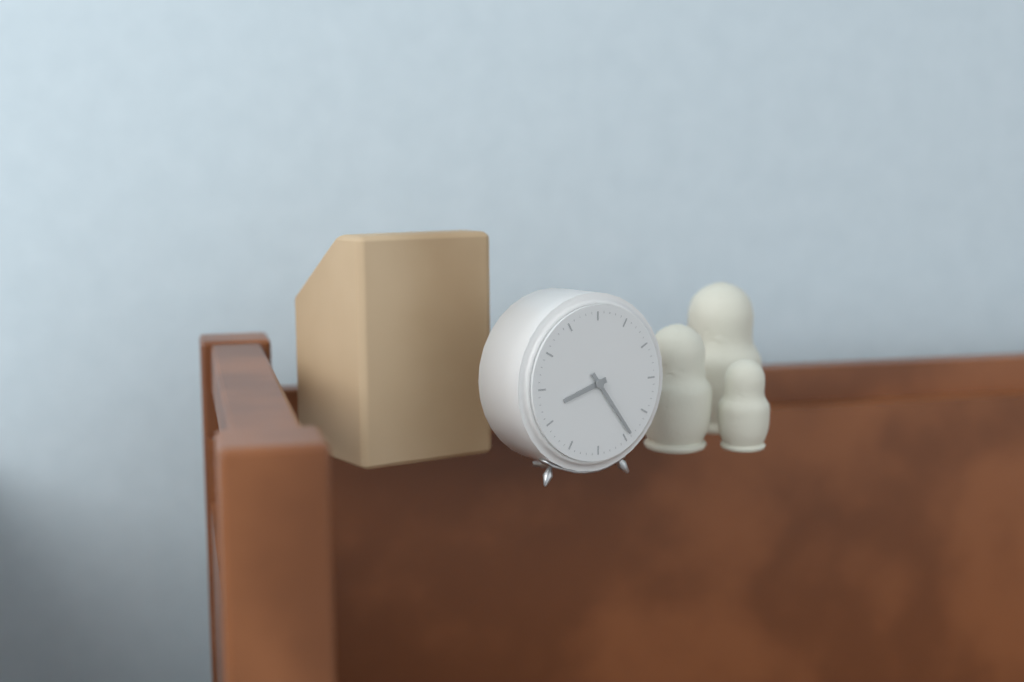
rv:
8.24
